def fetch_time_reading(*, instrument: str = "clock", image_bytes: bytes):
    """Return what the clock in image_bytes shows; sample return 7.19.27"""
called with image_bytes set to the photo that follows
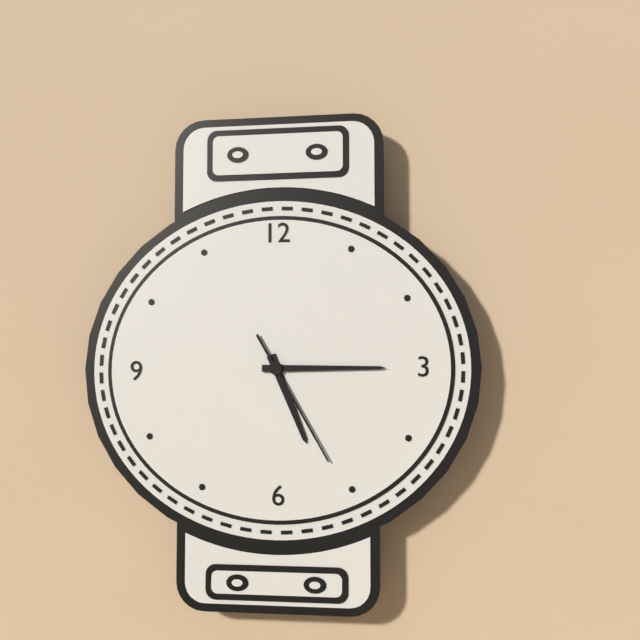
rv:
5.15.25
